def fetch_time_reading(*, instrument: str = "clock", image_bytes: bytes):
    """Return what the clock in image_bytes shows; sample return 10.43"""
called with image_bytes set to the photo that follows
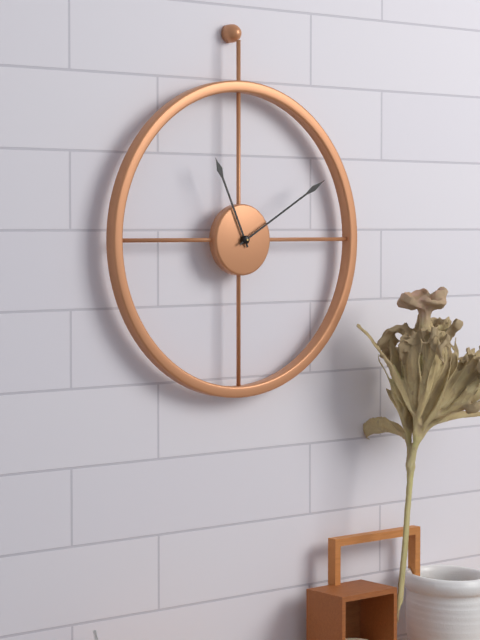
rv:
11.10
